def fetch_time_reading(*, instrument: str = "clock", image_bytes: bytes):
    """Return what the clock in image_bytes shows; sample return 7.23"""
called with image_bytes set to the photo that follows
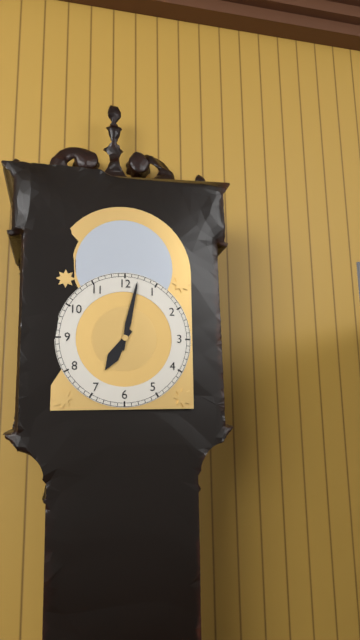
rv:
7.02
